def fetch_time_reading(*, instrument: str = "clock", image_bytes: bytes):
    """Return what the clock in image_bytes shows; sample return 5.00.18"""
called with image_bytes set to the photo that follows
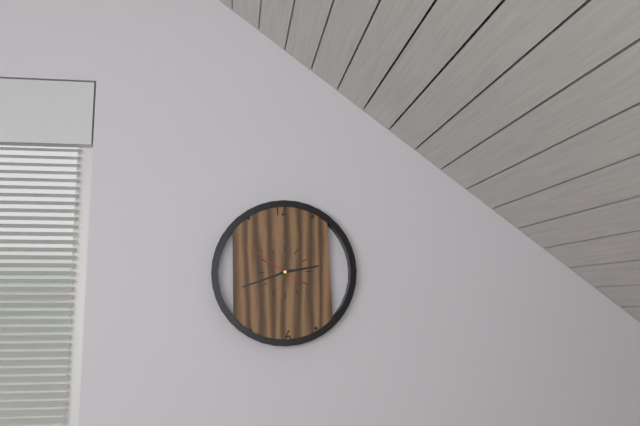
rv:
2.42.51
